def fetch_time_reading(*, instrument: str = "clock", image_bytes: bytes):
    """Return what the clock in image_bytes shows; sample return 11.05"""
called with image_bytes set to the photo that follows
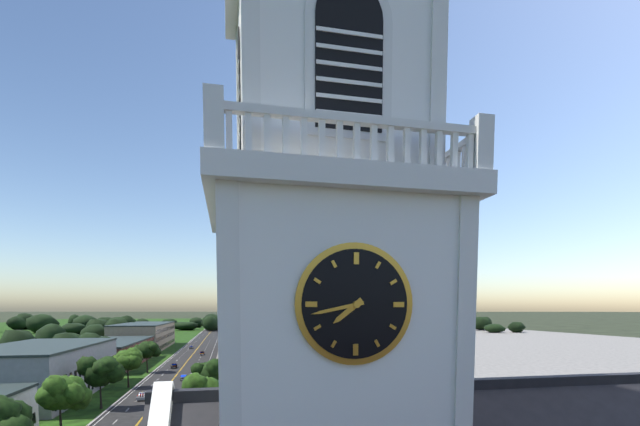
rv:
7.43
